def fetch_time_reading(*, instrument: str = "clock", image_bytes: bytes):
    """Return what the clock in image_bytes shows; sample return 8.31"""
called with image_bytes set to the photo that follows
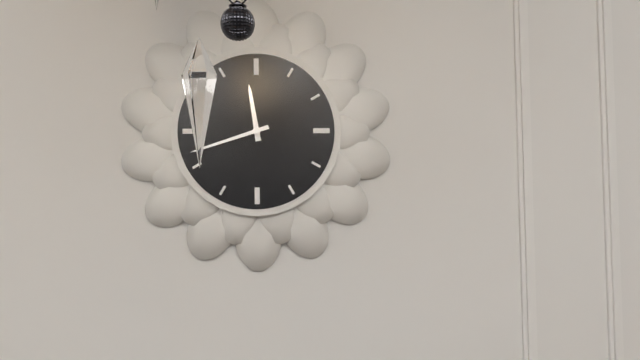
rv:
11.42
